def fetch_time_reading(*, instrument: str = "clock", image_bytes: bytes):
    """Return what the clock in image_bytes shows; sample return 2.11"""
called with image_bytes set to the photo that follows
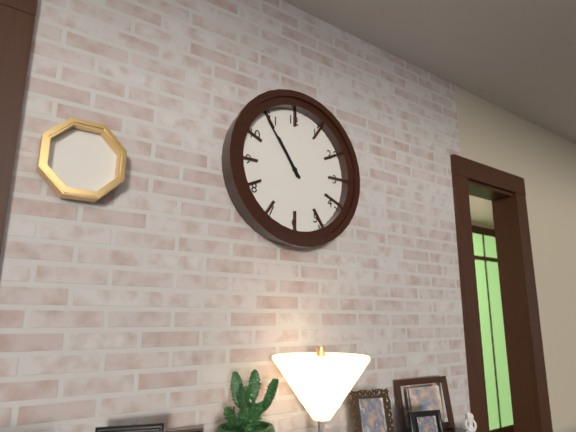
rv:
10.54
